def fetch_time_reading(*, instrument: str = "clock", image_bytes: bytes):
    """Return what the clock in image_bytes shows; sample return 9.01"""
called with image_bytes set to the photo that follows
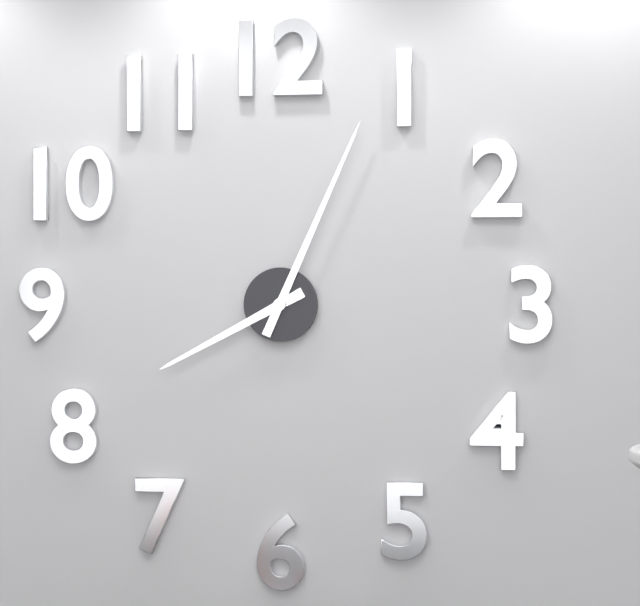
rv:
8.04
